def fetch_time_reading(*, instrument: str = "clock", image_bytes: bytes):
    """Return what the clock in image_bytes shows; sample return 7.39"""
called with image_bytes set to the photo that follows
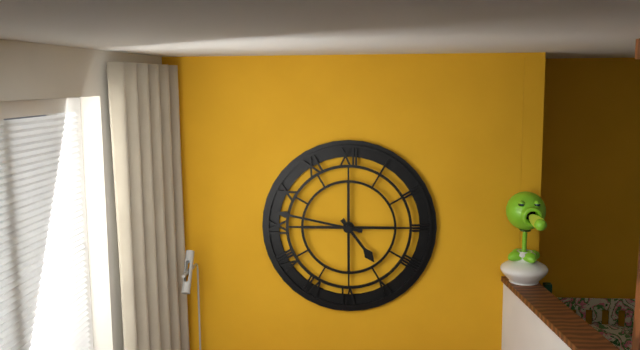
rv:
4.47
